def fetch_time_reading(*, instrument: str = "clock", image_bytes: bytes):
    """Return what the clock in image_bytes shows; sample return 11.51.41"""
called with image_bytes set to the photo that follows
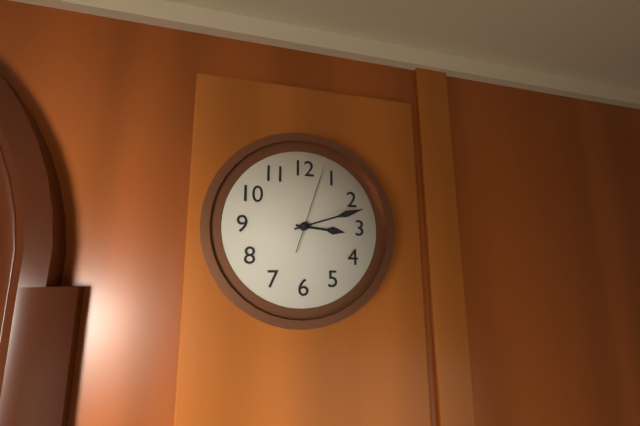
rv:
3.12.03
